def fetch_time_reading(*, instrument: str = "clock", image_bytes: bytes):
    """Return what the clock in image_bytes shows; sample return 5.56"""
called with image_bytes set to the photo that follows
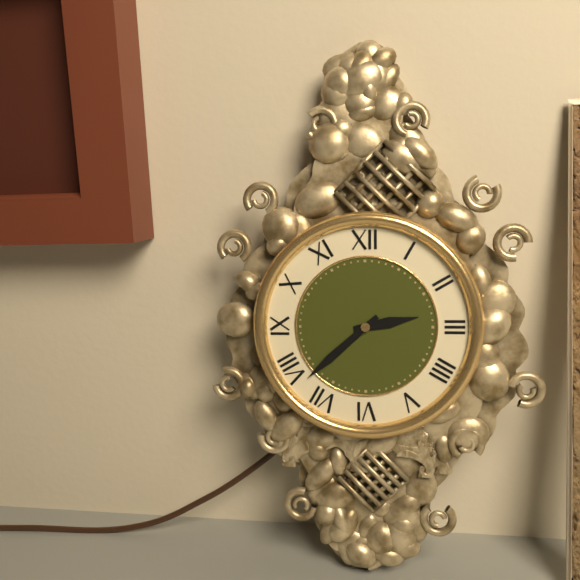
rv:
2.38
